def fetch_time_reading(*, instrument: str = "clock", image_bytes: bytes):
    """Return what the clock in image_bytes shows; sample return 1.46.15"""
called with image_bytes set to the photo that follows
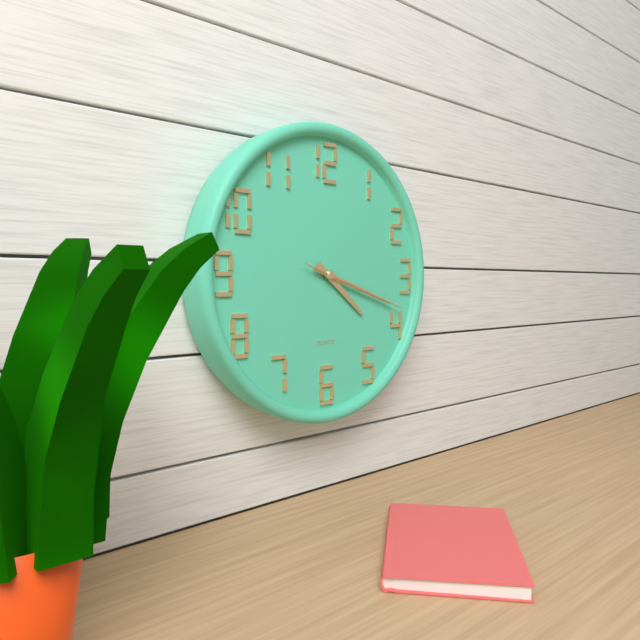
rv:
4.18.18
